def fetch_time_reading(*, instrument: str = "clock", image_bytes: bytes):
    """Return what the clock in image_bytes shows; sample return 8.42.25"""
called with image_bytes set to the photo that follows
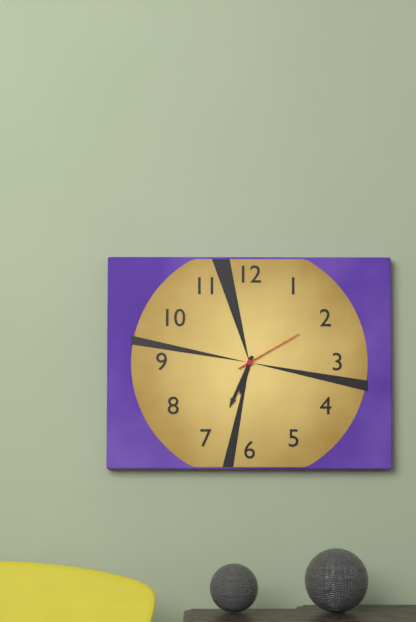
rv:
6.34.10
